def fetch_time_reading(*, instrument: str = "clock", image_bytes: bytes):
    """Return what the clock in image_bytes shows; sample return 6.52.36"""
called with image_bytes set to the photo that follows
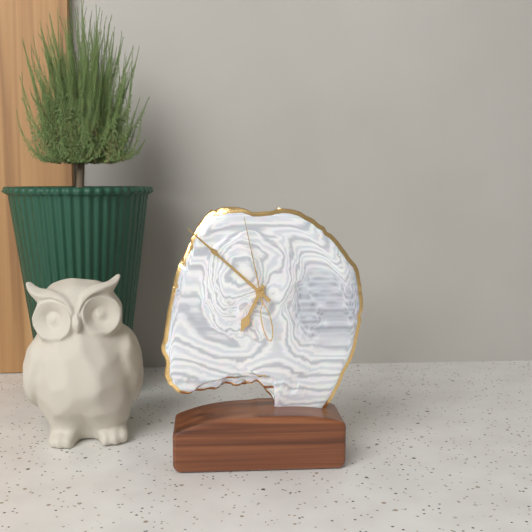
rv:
6.52.58
